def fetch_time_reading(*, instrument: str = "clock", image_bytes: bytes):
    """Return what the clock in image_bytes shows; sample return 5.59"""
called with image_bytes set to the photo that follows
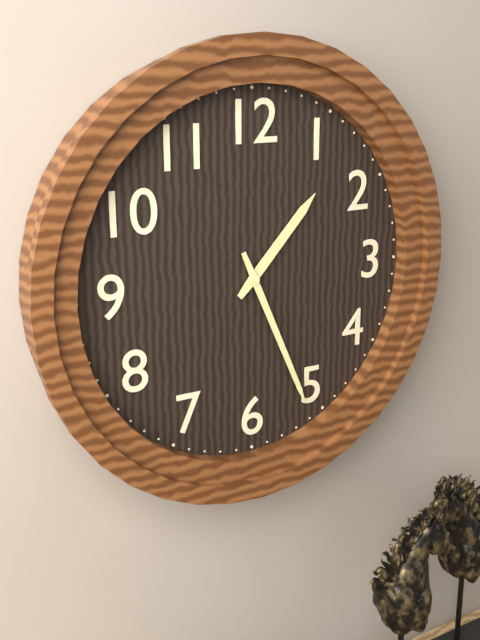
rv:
1.26
